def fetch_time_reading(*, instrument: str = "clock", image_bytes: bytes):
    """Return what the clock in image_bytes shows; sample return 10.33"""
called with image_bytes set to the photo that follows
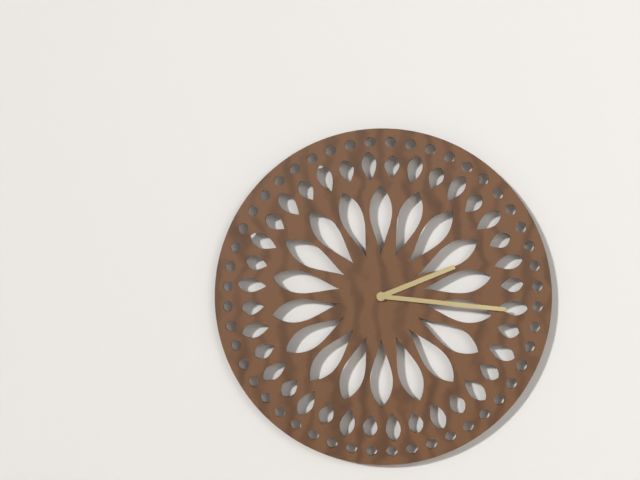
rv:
2.16
